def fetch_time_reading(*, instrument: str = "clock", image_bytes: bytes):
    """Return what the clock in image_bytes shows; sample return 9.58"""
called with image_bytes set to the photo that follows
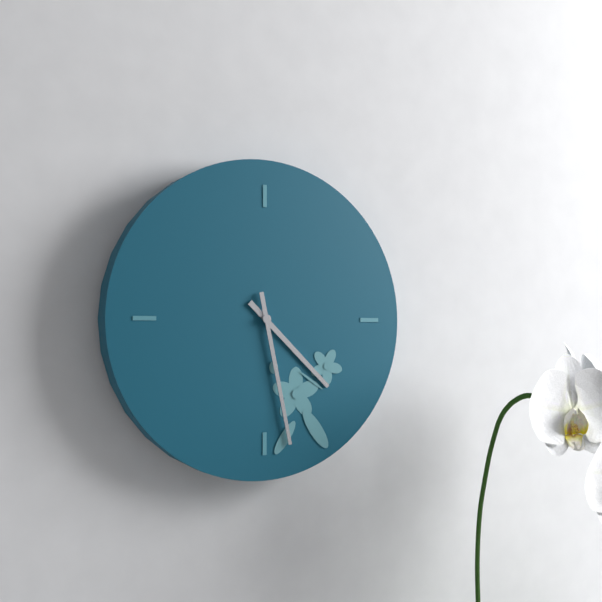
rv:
4.28
